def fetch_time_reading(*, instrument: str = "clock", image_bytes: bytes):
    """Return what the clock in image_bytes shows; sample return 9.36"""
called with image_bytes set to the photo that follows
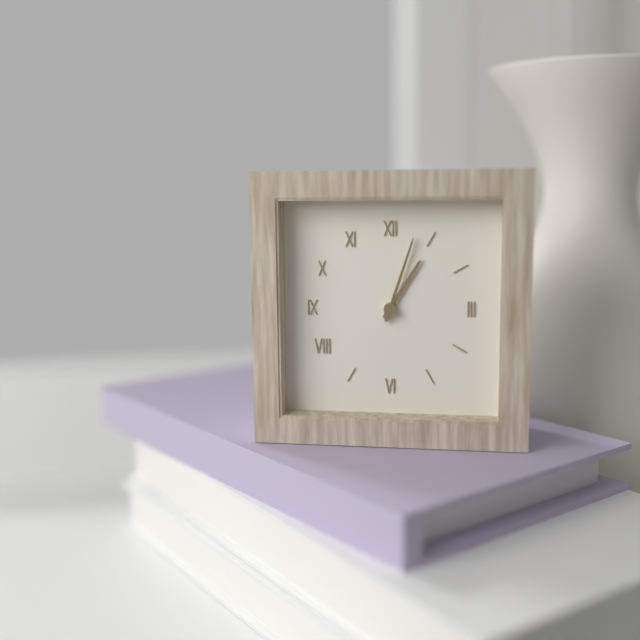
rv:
1.03
